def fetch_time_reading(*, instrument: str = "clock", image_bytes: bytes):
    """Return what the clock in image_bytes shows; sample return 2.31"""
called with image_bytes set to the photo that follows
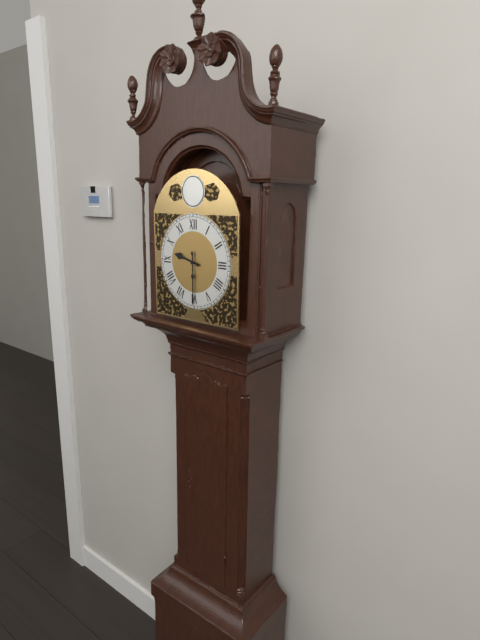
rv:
9.30
